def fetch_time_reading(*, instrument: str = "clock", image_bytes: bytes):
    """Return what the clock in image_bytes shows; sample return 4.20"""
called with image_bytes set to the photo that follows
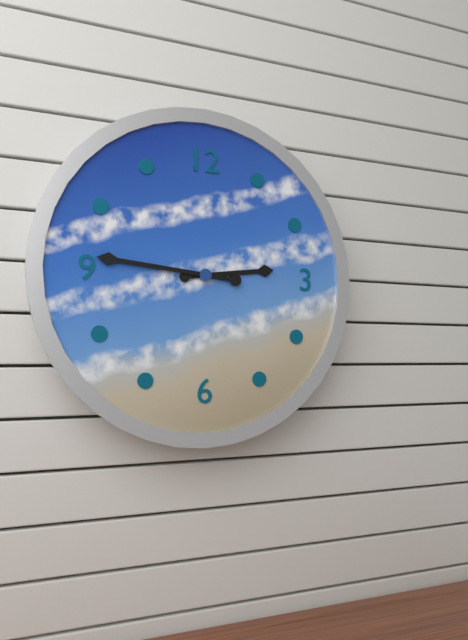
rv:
2.46
